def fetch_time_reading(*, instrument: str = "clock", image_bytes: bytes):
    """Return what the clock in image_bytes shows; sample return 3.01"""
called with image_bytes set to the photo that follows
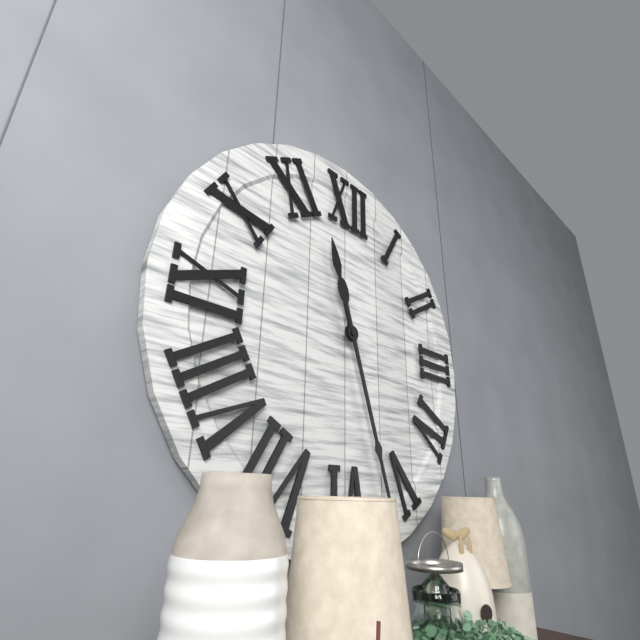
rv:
11.27
